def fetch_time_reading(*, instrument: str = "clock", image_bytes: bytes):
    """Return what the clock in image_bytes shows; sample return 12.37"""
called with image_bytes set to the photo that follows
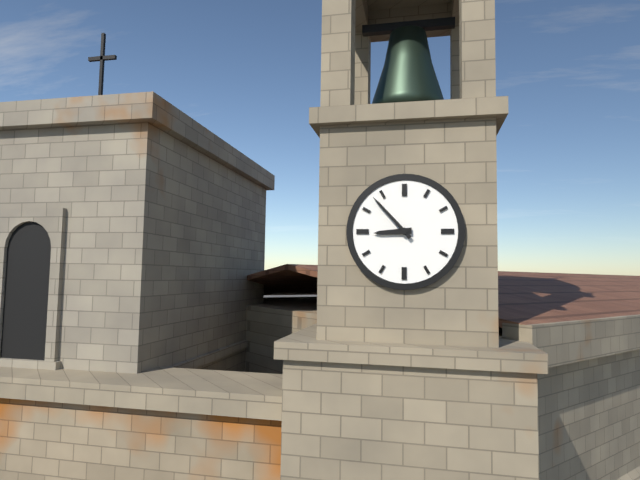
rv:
8.53
